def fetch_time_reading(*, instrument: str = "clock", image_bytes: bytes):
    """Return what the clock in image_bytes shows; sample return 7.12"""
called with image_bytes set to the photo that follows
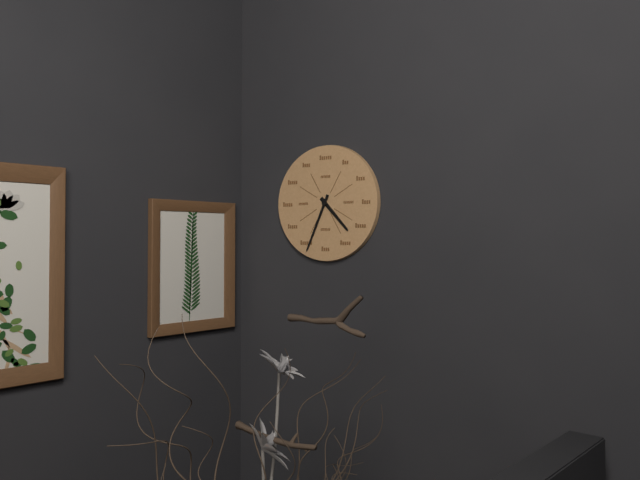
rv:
4.34
